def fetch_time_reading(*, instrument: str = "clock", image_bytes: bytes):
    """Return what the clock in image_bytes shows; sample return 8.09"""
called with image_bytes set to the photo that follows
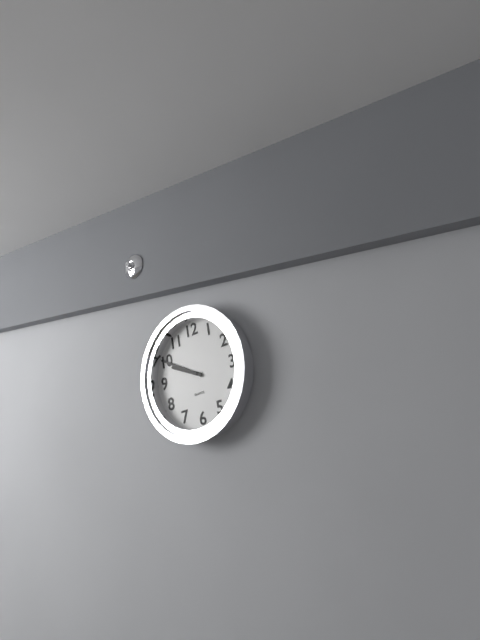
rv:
9.50
